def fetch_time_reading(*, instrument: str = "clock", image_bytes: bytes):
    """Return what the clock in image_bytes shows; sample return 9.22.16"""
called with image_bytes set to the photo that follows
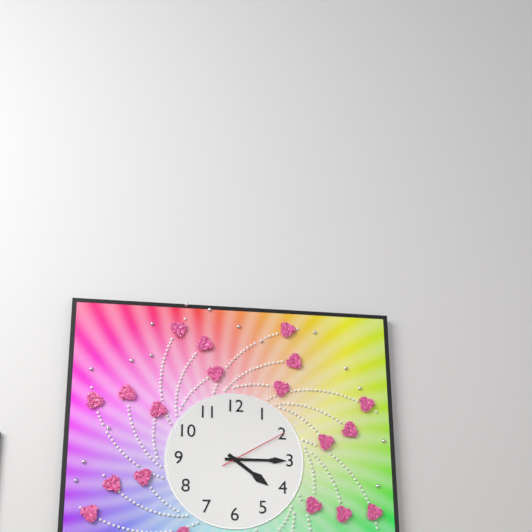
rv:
4.15.10
